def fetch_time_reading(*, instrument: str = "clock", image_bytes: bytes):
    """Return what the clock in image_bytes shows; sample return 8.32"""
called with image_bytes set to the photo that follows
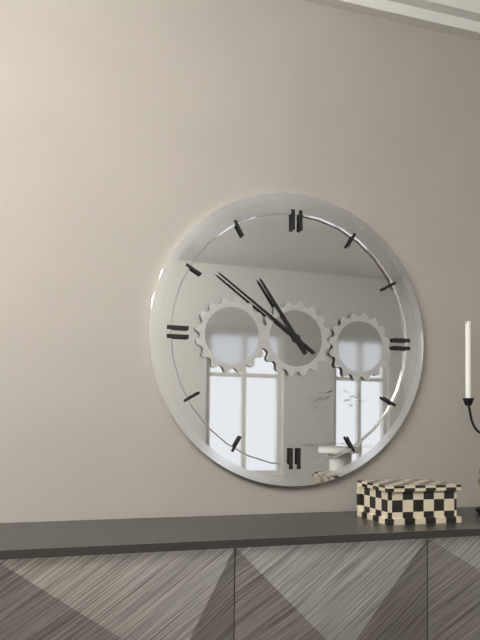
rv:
10.51
